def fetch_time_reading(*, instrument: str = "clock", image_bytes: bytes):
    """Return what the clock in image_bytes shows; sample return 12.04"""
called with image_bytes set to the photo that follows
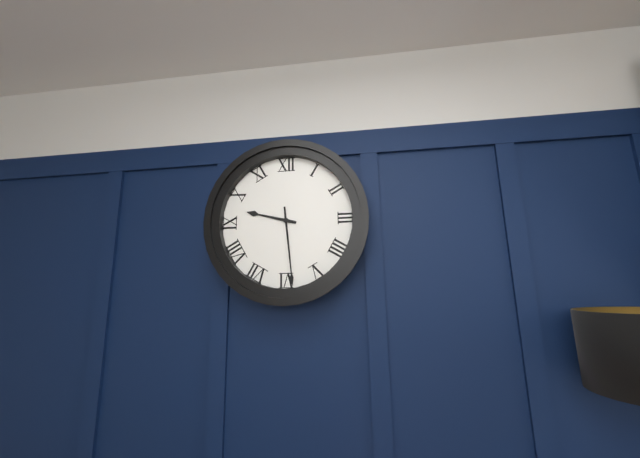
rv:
9.29
